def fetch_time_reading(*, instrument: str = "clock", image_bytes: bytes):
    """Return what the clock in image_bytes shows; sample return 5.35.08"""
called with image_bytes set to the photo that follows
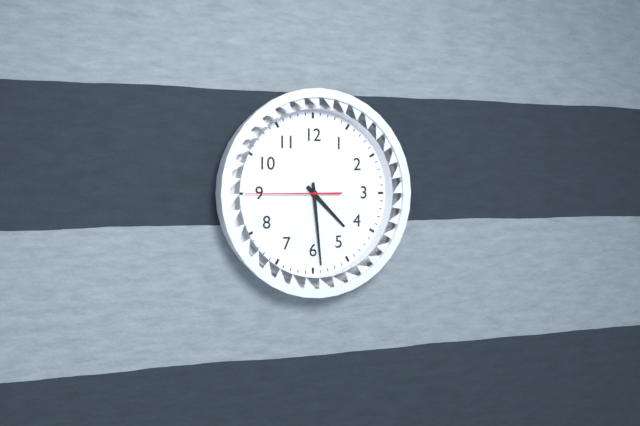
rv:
4.29.45
